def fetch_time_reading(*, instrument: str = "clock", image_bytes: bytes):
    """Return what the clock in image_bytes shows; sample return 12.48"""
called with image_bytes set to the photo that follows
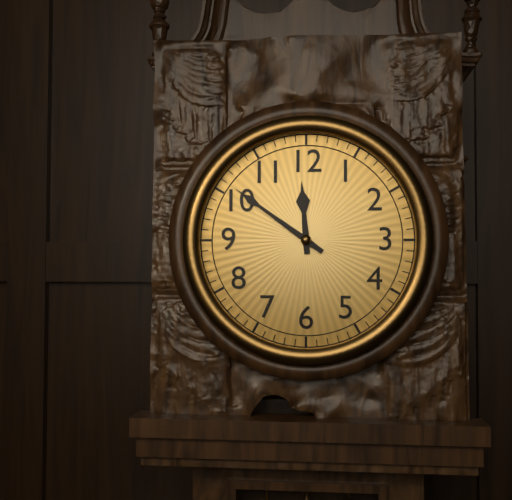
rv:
11.51
